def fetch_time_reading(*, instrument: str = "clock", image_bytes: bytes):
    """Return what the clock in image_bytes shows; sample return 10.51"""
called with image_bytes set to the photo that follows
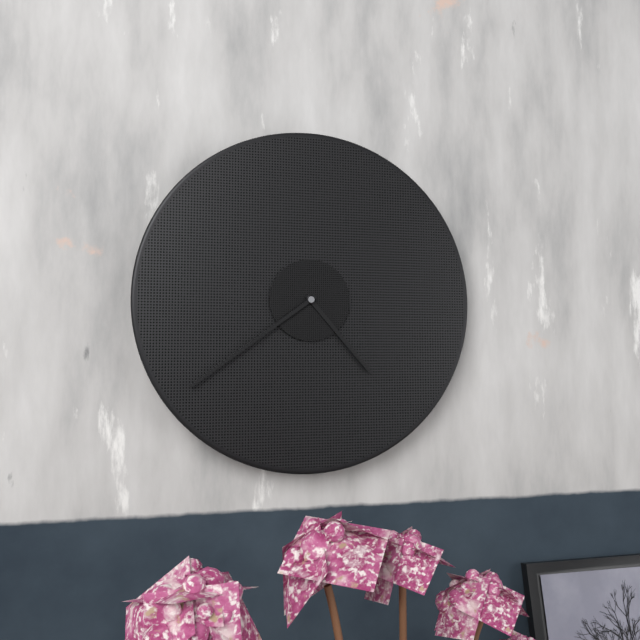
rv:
4.39
